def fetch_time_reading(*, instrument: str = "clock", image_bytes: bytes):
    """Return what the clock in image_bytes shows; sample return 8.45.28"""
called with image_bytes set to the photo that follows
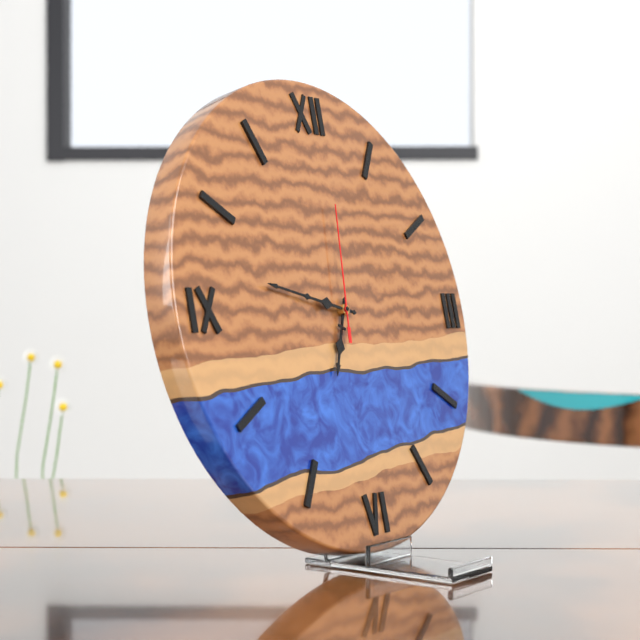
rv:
6.47.01
